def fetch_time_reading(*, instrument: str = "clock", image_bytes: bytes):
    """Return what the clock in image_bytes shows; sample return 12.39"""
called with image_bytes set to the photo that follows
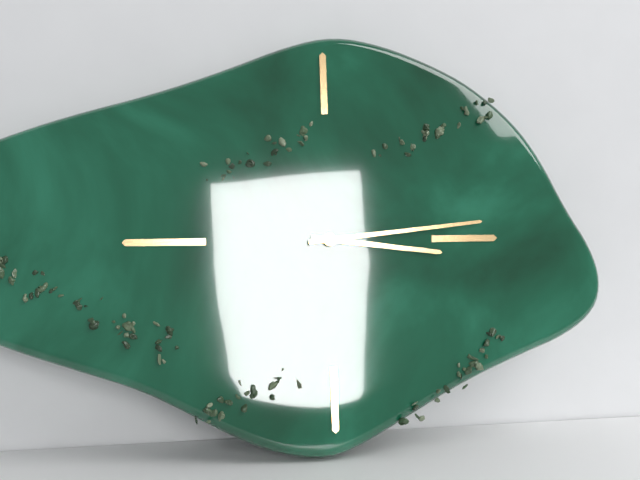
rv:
3.14
